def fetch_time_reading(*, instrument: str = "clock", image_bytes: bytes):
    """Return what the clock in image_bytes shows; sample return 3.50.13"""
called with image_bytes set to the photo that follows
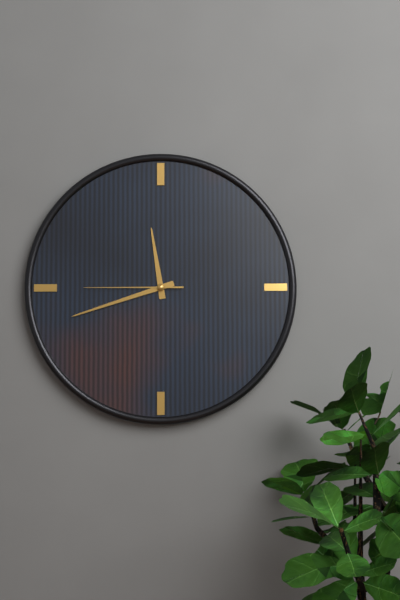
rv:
11.42.45
